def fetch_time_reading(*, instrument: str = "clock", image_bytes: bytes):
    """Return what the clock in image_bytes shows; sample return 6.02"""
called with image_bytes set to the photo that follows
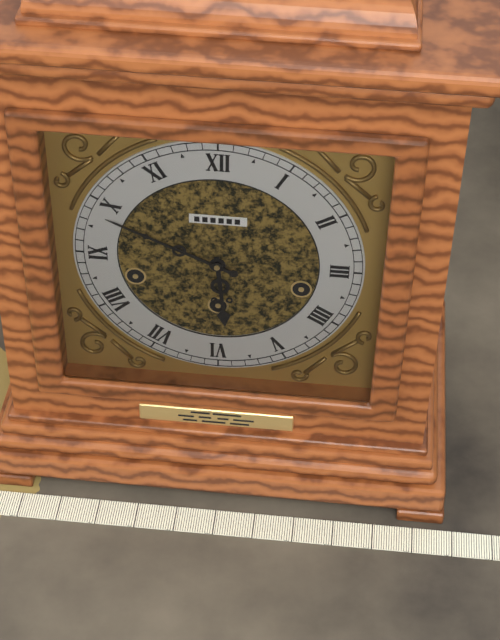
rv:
5.49
